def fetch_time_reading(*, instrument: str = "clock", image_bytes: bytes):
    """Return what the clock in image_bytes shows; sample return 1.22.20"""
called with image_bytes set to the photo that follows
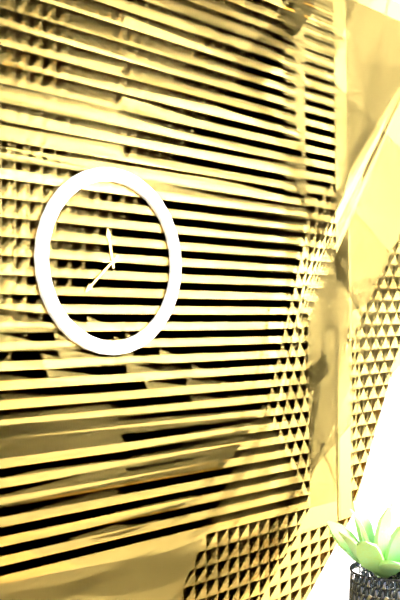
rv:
11.38.14
